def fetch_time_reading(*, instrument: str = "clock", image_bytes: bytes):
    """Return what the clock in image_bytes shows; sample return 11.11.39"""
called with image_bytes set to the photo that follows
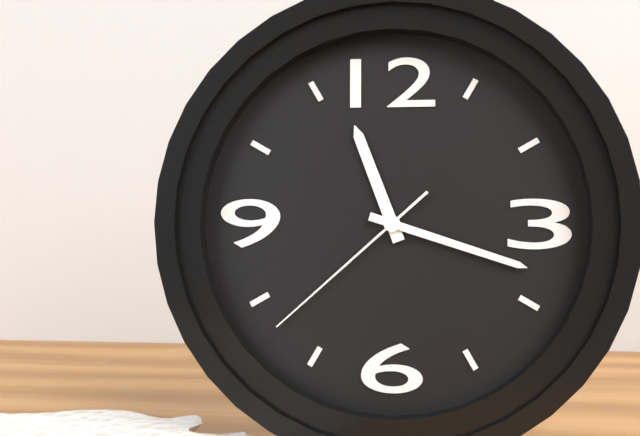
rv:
11.18.38
